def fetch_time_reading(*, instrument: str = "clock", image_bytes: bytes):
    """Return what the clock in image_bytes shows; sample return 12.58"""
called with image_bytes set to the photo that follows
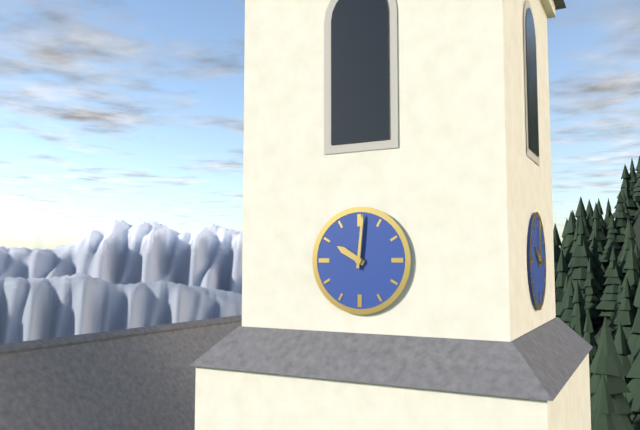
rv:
10.01
